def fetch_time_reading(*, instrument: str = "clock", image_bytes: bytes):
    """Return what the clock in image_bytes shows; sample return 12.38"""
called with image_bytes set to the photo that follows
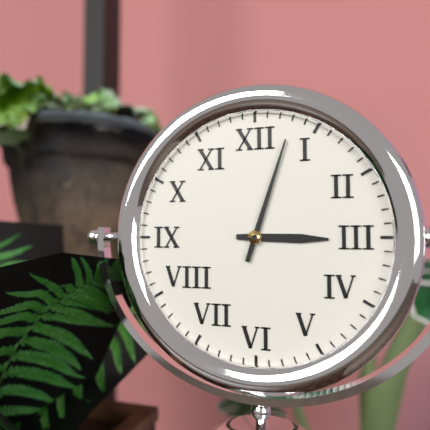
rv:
3.03
